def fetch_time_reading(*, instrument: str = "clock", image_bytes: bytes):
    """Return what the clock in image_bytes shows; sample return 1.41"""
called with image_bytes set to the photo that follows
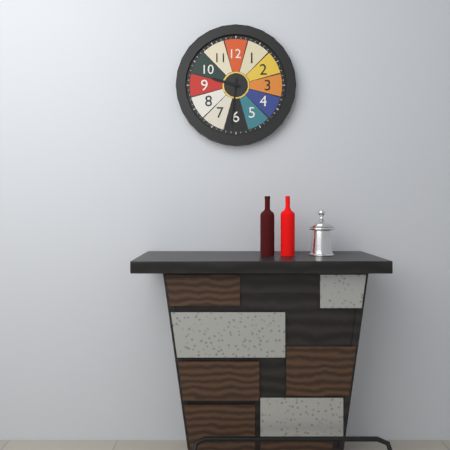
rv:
9.31
